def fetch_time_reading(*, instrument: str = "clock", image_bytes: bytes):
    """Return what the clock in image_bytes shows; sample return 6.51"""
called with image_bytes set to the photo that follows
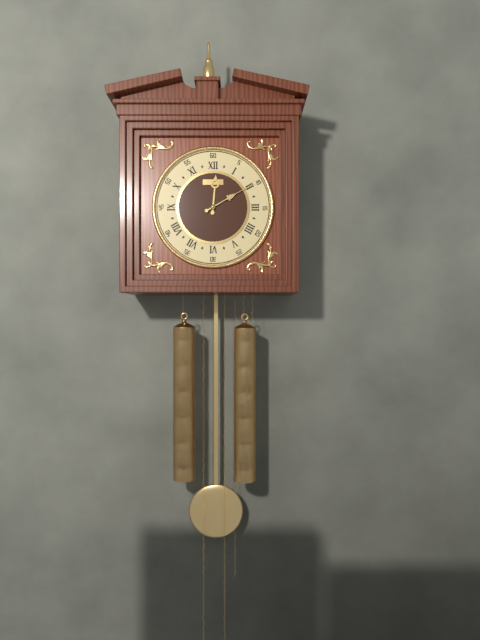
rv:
12.10
